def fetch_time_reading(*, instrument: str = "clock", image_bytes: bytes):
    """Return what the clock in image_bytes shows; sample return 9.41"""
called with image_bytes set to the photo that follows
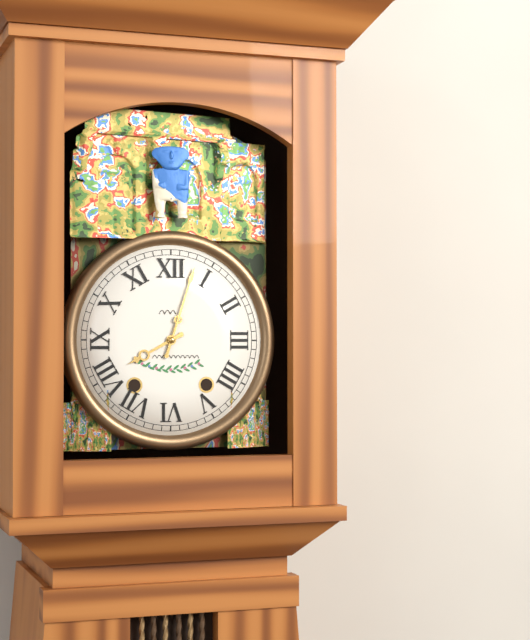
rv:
8.03
